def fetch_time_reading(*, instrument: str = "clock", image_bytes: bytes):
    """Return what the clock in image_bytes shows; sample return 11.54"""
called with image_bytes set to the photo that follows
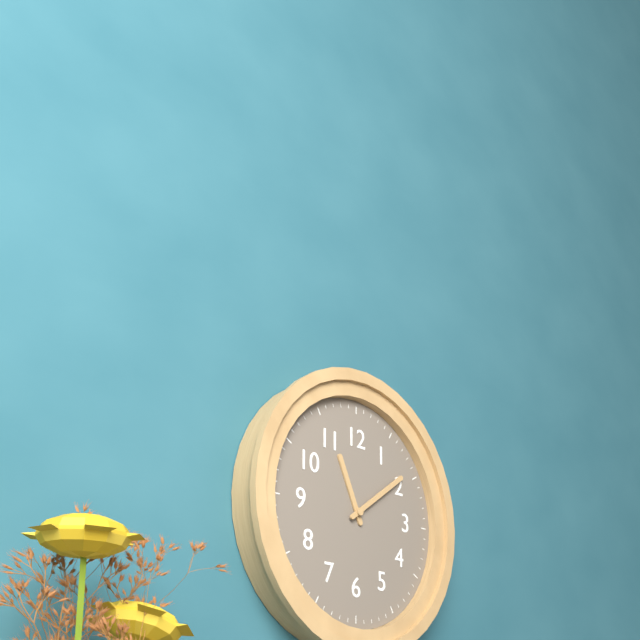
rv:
11.09
